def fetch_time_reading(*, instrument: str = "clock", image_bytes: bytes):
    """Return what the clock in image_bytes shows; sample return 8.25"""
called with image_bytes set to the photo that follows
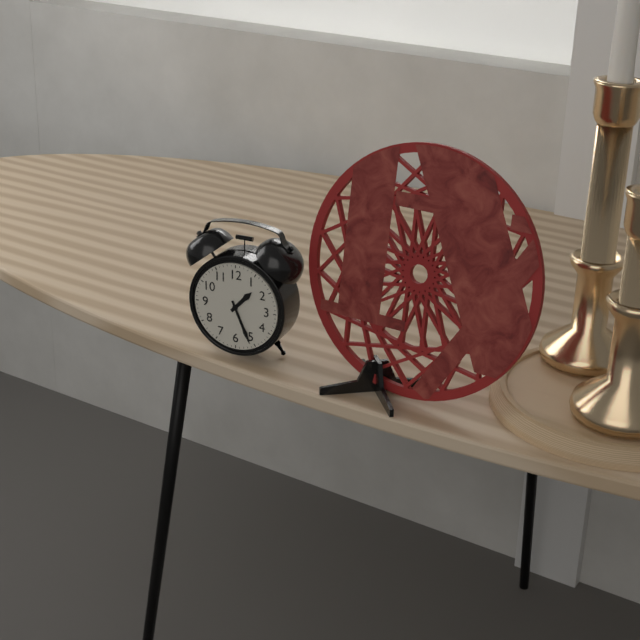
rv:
1.26
